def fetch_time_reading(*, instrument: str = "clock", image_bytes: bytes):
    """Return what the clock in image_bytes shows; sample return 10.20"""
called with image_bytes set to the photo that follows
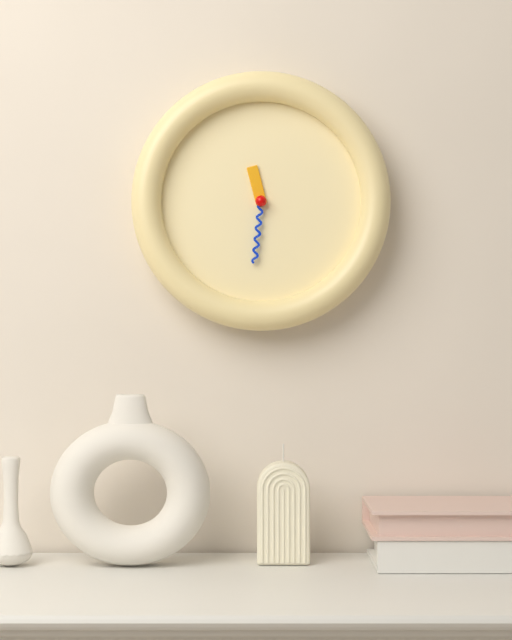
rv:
11.31
